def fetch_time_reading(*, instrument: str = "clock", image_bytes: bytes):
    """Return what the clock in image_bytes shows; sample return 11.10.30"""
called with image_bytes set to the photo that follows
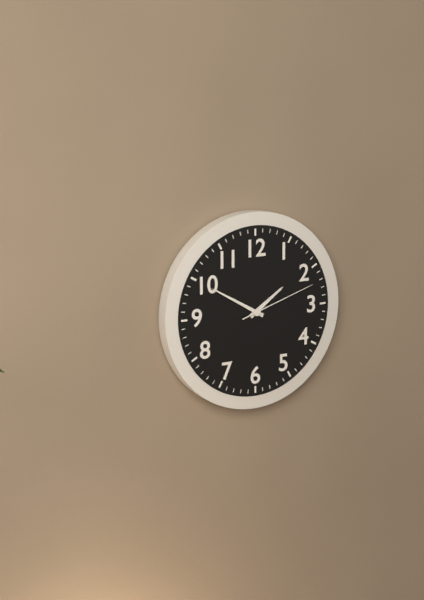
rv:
1.50.12
